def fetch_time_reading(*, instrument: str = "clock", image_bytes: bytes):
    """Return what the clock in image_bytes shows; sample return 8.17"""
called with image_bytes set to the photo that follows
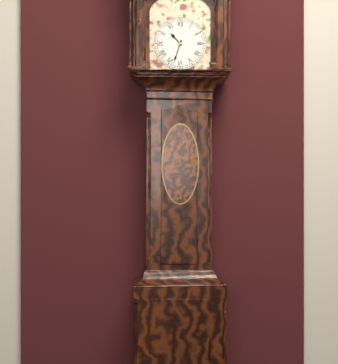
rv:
10.33
